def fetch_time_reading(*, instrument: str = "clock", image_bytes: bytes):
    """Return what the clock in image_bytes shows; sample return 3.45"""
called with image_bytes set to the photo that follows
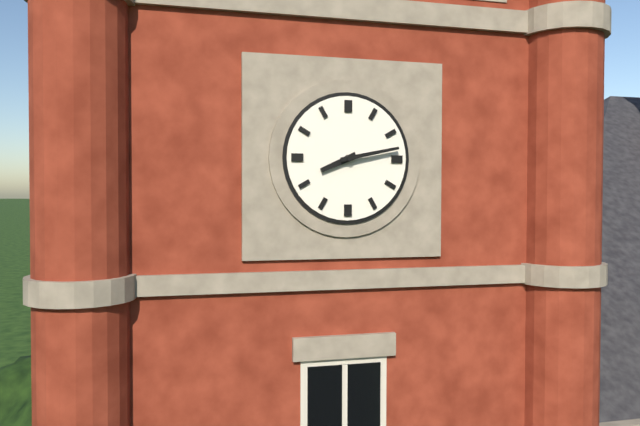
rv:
8.13
